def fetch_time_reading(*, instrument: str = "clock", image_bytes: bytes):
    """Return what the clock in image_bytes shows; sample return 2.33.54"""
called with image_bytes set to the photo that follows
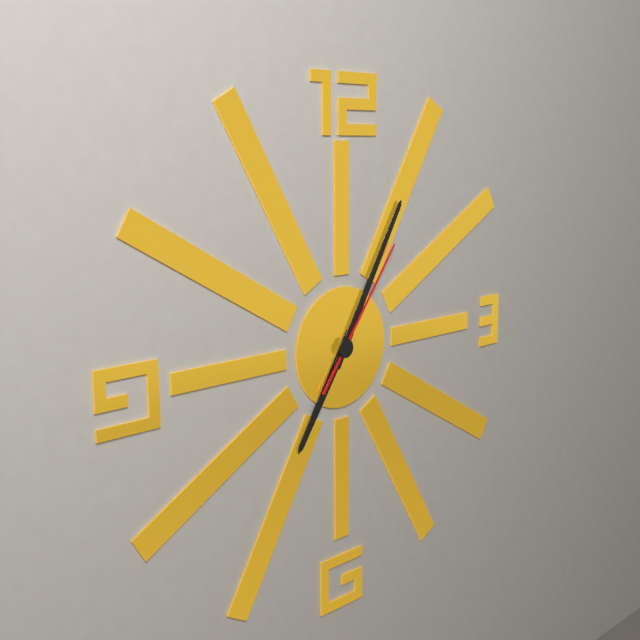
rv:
7.05.06
